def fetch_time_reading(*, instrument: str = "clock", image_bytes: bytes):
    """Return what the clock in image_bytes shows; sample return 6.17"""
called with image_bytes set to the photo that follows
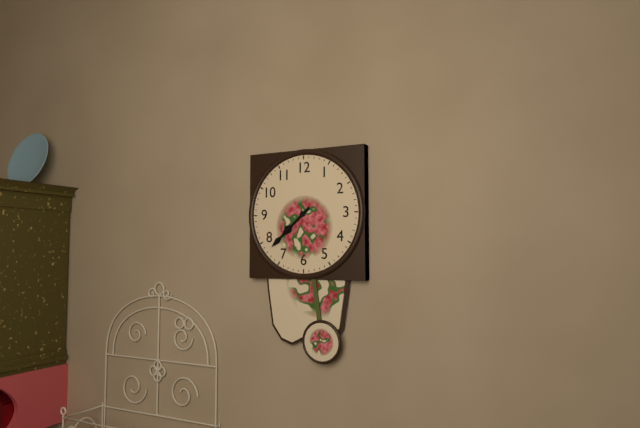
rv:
7.38
